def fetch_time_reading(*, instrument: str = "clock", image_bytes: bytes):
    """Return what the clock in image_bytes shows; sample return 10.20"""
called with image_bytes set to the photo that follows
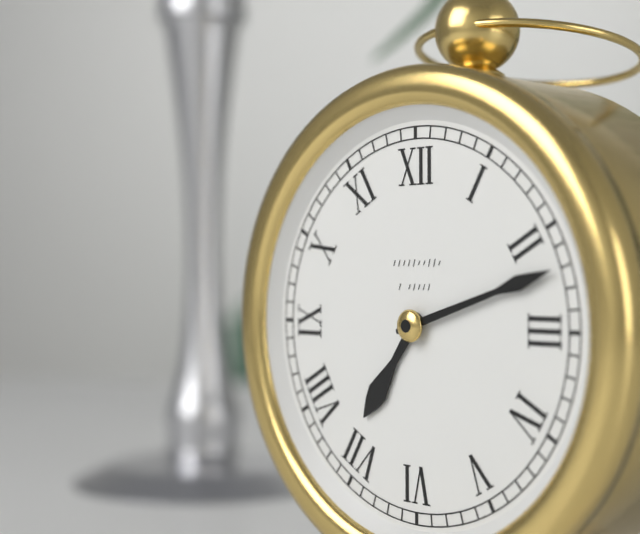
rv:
7.12
